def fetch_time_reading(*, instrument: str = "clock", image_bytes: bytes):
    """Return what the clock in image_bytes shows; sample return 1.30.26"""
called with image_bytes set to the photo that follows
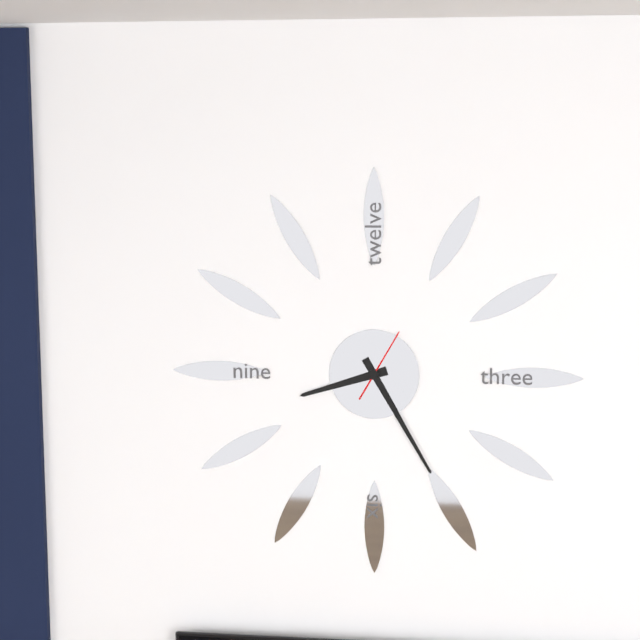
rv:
8.25.05
